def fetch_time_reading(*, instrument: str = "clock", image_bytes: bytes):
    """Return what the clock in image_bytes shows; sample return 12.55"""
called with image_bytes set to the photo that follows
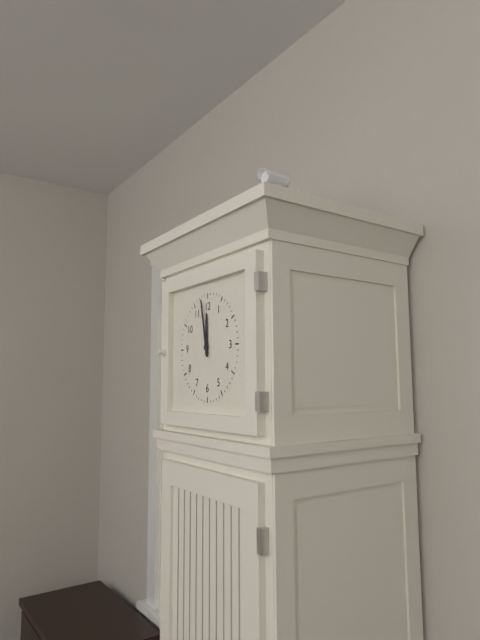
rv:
11.58
